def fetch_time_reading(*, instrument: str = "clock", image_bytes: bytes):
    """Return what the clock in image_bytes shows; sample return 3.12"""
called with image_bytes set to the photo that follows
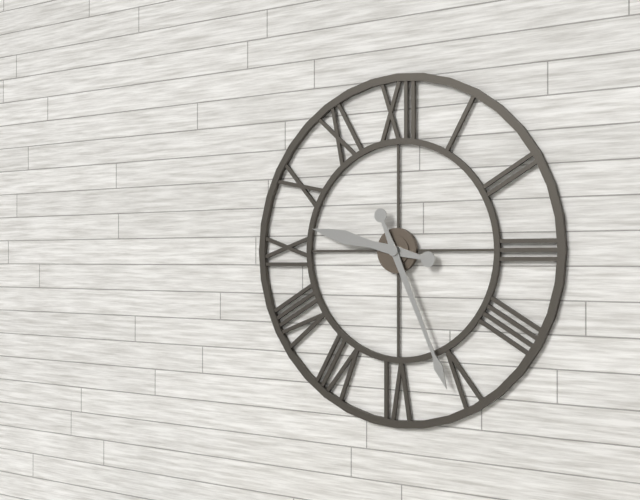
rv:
9.26
